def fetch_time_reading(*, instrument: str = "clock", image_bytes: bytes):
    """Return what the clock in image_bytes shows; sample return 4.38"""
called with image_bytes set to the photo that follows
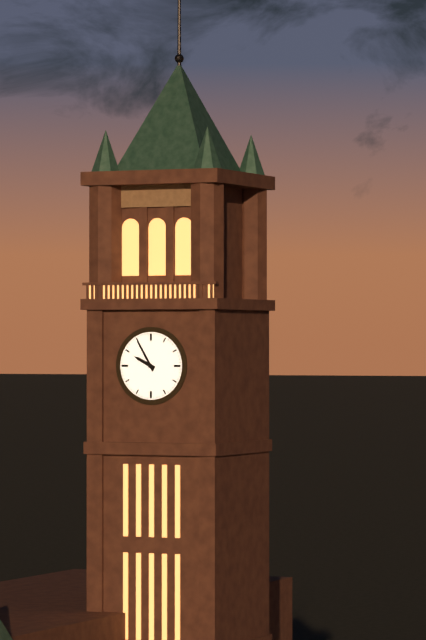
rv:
9.55
